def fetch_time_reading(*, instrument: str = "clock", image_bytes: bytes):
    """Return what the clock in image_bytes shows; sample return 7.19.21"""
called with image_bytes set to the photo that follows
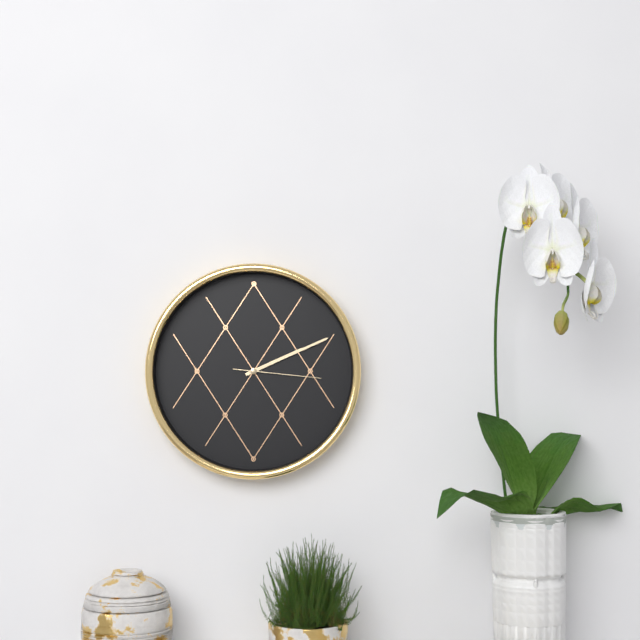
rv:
2.11.16
